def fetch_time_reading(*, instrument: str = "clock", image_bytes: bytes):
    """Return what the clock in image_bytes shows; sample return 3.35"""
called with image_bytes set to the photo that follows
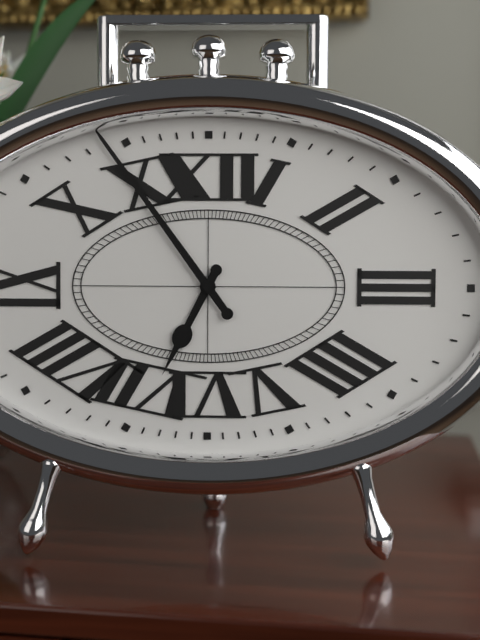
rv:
6.54
